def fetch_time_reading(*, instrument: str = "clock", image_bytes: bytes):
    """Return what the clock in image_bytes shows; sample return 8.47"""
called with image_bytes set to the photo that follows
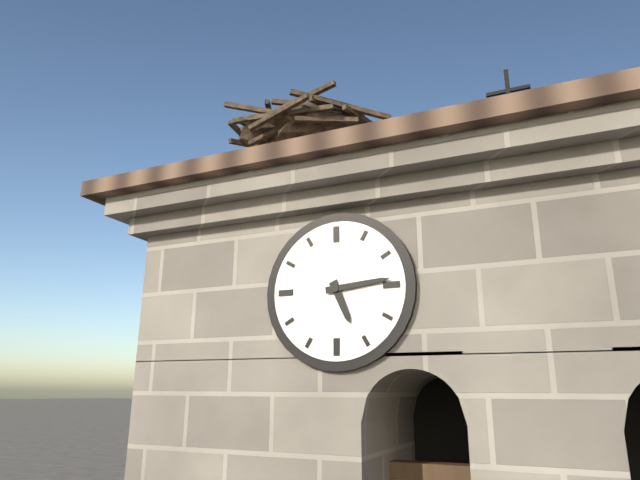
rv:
5.14
